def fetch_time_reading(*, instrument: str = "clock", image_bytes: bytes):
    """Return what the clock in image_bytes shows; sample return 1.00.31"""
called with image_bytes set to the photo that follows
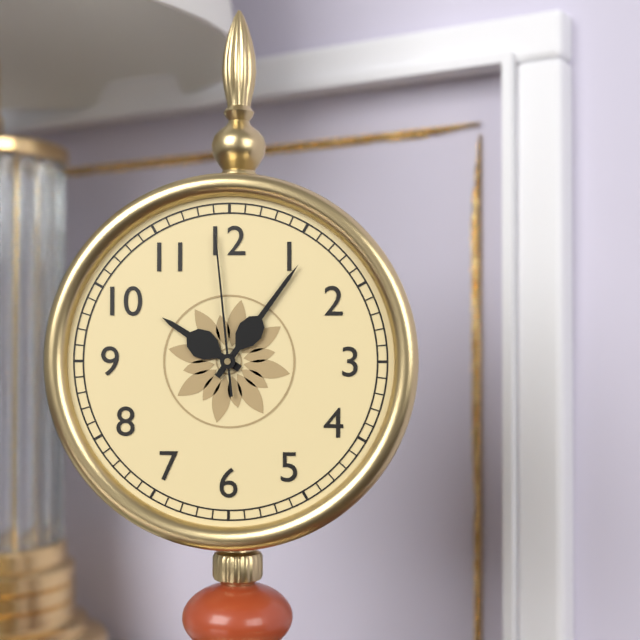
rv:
10.06.59
